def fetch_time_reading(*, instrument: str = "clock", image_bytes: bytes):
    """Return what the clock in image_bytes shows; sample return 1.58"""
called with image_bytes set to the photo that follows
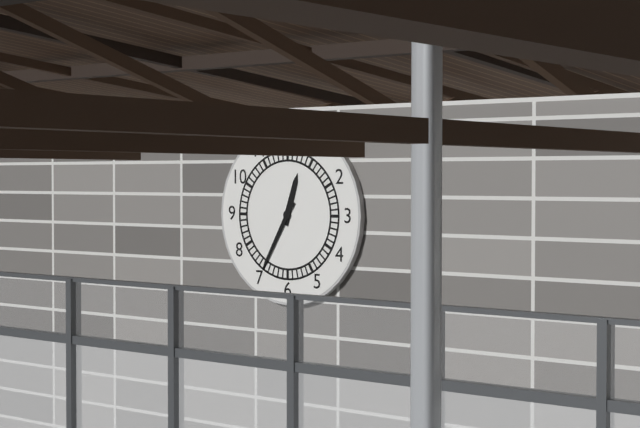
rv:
12.35
